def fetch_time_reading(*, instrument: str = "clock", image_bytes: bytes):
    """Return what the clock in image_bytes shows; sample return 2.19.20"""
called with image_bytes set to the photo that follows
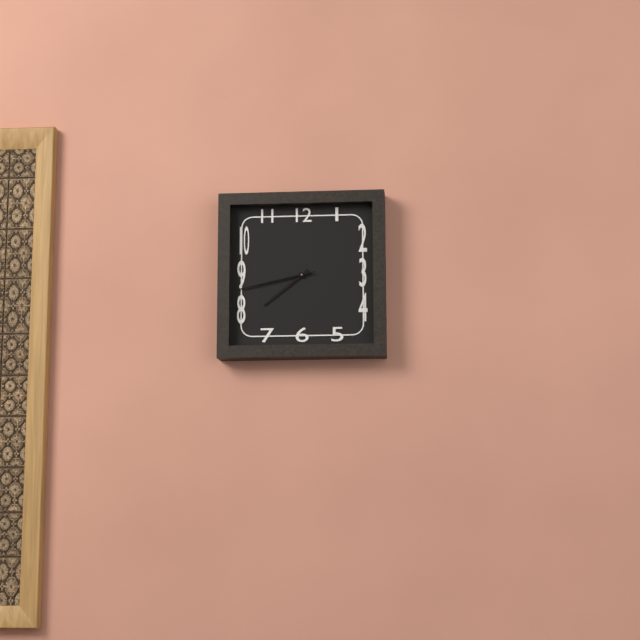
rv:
7.43.43
